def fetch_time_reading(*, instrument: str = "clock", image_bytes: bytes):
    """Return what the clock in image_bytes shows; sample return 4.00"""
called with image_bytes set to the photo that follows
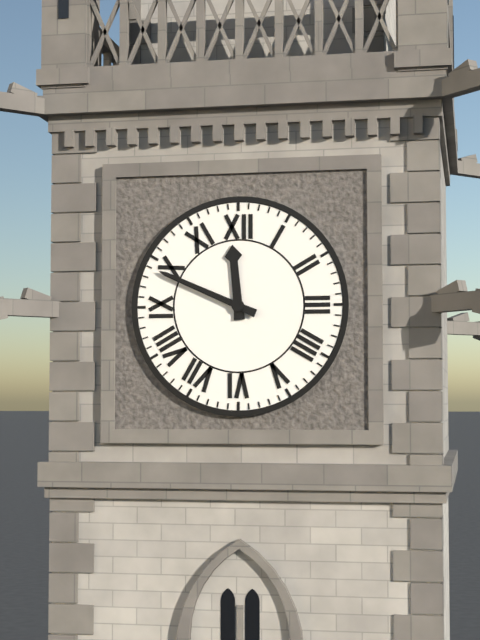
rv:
11.49
